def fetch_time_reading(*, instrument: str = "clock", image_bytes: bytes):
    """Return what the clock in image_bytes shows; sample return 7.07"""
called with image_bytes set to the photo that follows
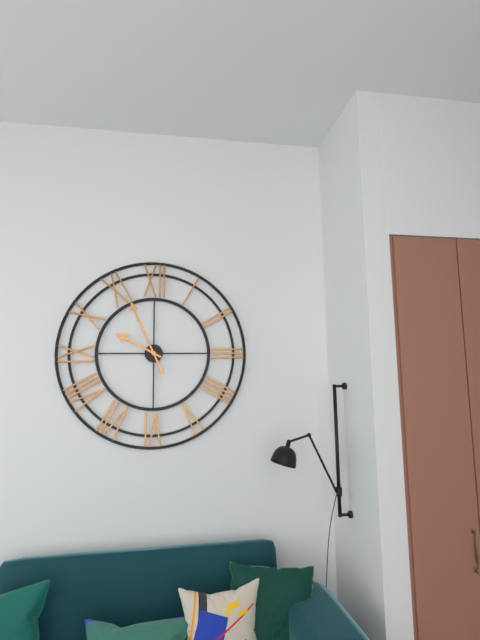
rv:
9.56
